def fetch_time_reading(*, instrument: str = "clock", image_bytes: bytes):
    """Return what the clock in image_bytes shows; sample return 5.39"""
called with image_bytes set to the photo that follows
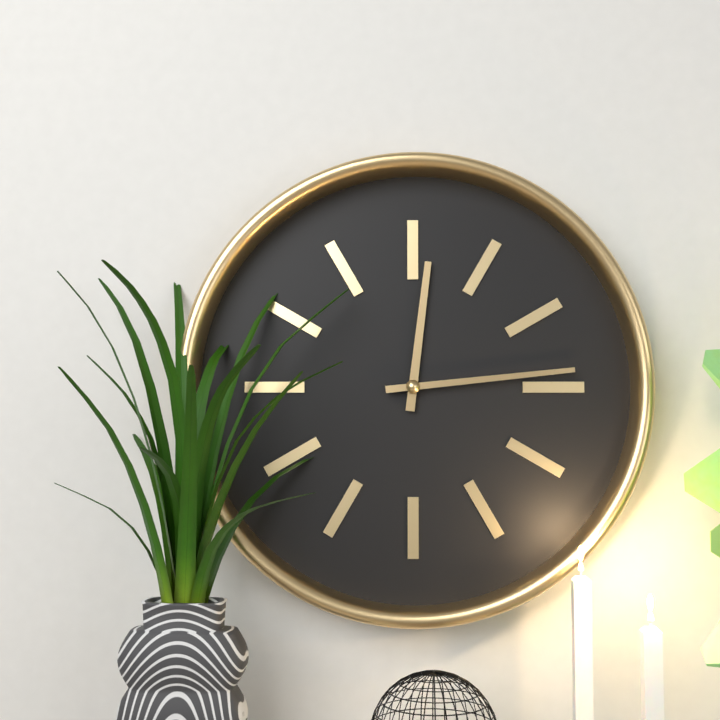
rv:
12.14
